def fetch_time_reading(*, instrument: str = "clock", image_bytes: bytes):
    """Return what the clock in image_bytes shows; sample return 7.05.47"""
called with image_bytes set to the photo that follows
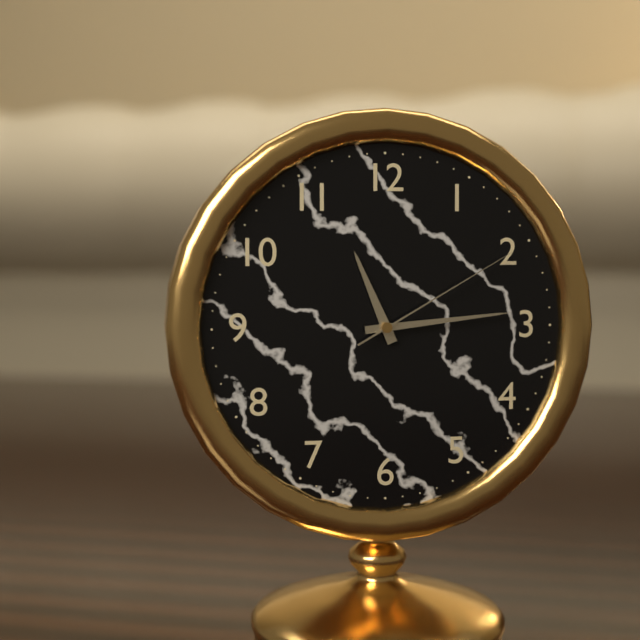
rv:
11.14.10
